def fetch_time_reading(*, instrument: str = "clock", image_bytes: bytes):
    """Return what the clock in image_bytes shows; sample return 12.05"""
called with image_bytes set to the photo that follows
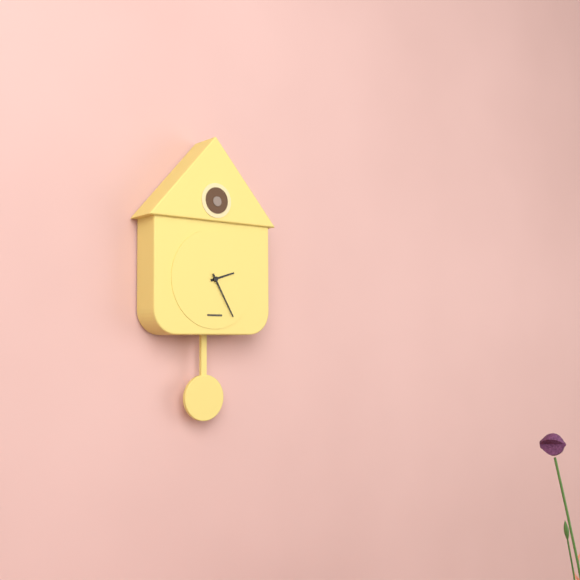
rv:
2.25
